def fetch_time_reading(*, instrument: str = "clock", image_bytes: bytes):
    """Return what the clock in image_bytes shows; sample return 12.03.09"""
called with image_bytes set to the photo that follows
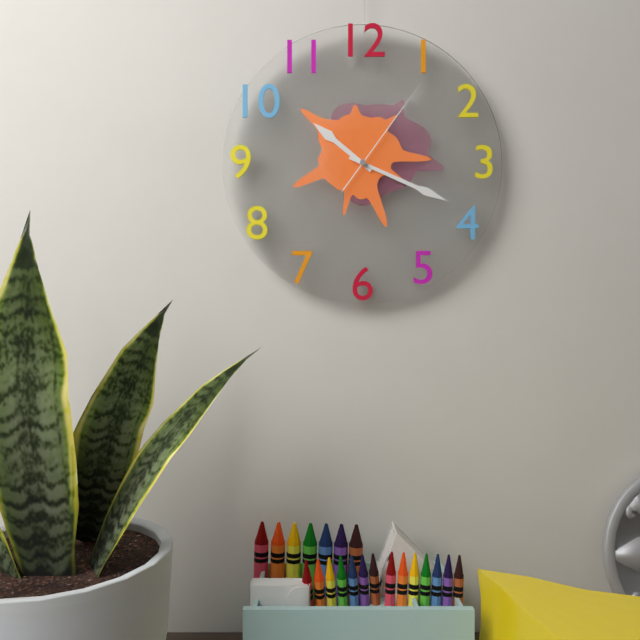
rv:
10.19.06
